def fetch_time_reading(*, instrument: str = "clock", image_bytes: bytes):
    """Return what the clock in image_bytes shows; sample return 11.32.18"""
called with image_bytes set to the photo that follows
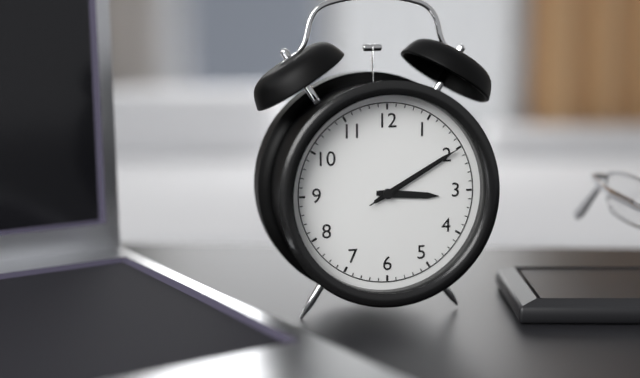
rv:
3.10.10
